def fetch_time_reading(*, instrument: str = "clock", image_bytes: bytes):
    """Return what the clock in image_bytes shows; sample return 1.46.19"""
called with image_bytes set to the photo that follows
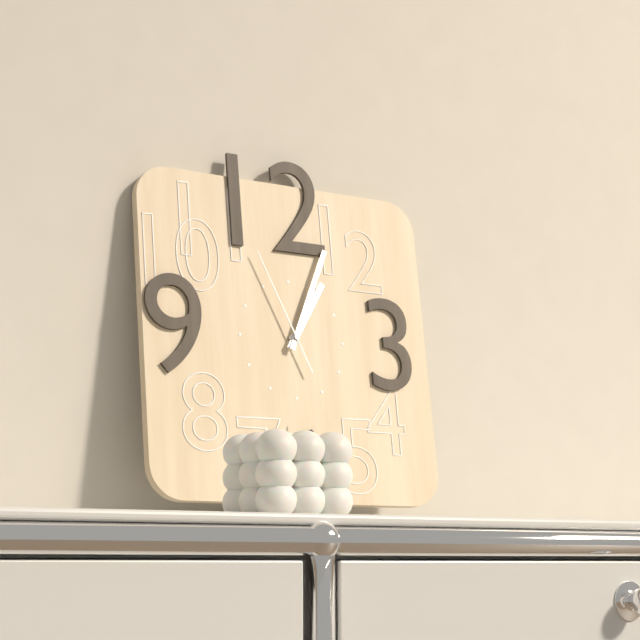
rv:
1.04.56
